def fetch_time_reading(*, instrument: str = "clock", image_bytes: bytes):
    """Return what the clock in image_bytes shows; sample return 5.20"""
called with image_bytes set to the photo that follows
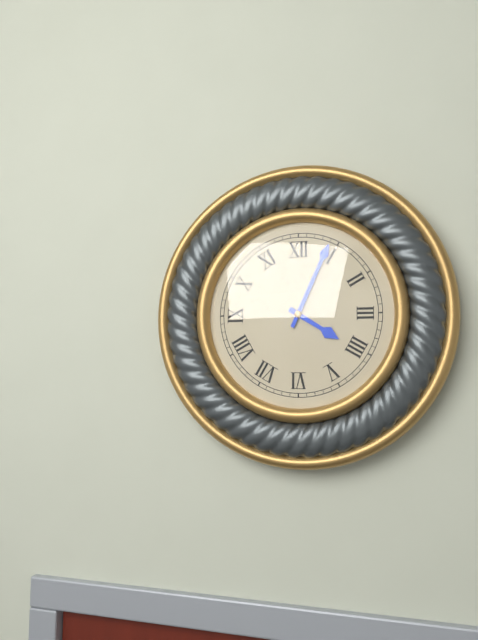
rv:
4.04
